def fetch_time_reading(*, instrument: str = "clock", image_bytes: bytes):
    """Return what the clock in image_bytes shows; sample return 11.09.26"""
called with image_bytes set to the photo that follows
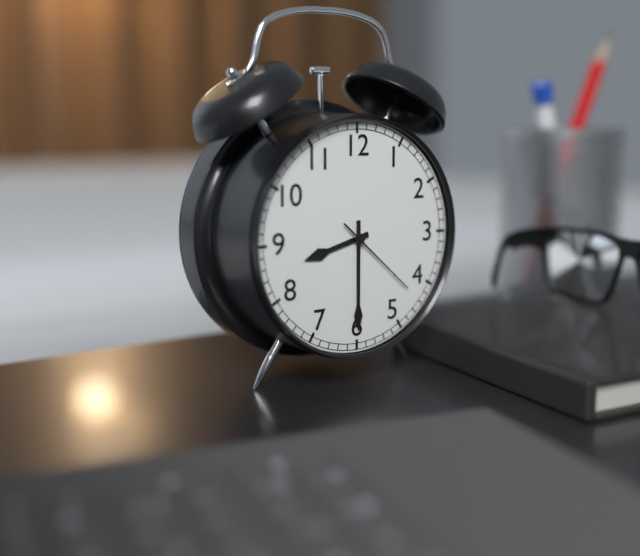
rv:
8.30.22
